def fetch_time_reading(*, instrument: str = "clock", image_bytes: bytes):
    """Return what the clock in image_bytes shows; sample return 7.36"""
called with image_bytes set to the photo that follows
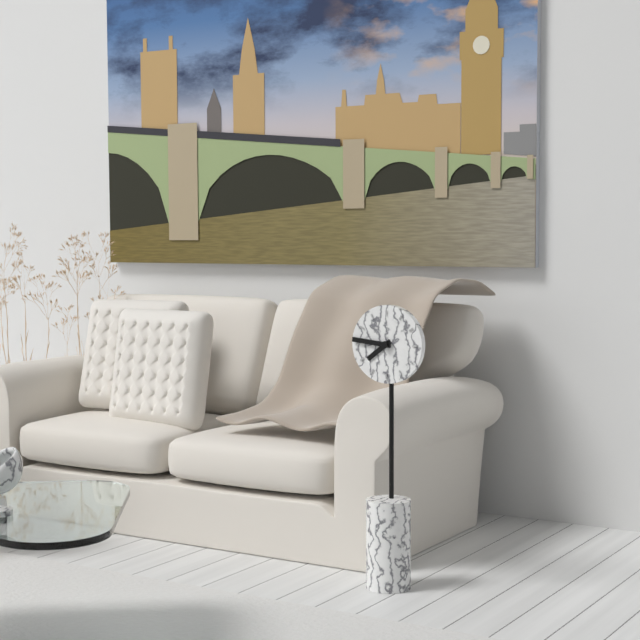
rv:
7.46
